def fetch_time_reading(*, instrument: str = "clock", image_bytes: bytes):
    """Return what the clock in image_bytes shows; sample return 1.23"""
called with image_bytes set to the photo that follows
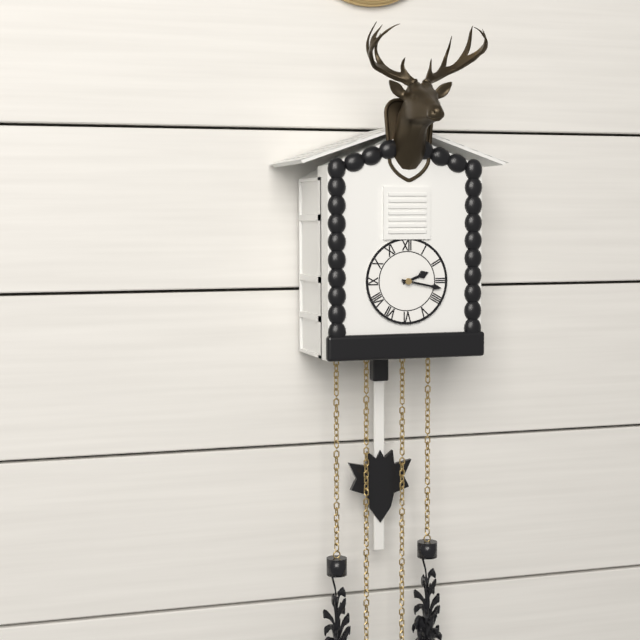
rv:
2.17
